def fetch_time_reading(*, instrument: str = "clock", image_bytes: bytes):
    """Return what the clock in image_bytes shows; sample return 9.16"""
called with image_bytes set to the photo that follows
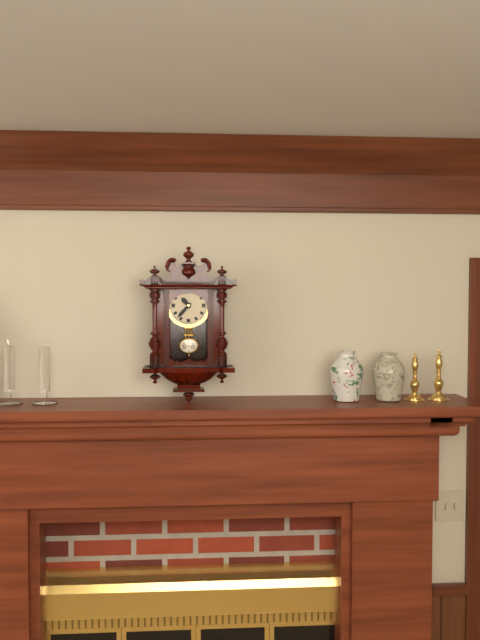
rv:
10.37
